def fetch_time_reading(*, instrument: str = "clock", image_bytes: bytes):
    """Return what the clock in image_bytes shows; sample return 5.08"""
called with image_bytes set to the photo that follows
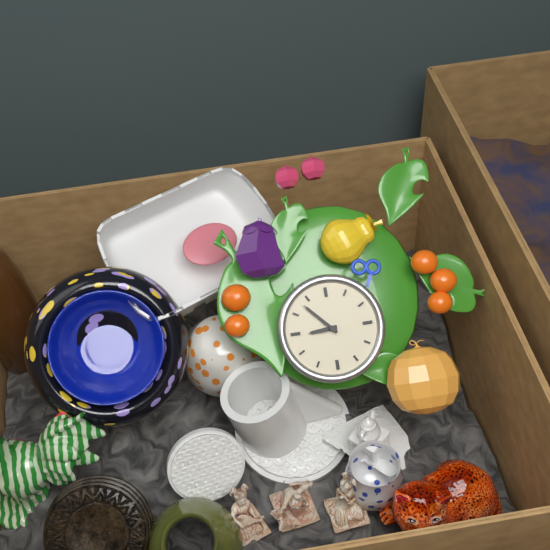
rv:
8.53
